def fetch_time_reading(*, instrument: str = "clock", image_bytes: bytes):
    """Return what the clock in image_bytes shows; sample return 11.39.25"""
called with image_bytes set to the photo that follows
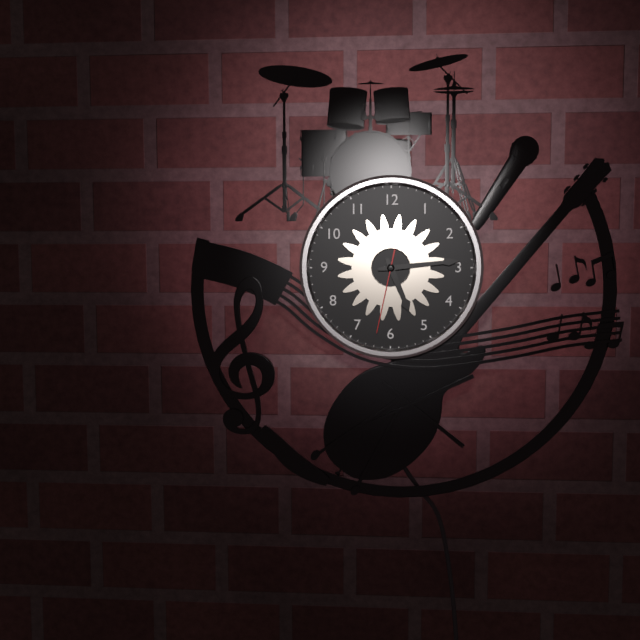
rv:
5.14.32
